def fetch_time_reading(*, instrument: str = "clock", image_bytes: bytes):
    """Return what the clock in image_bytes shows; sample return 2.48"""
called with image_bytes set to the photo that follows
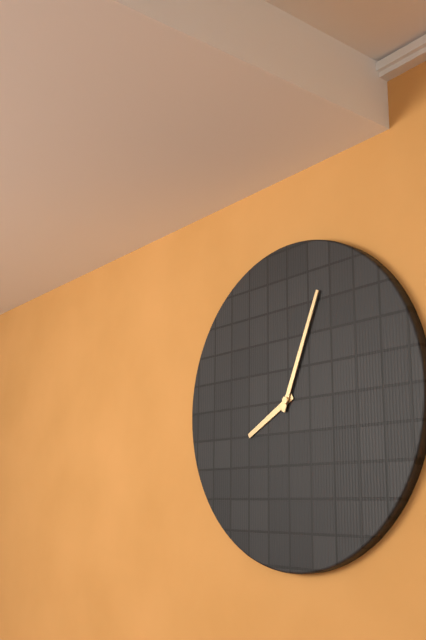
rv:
8.04
